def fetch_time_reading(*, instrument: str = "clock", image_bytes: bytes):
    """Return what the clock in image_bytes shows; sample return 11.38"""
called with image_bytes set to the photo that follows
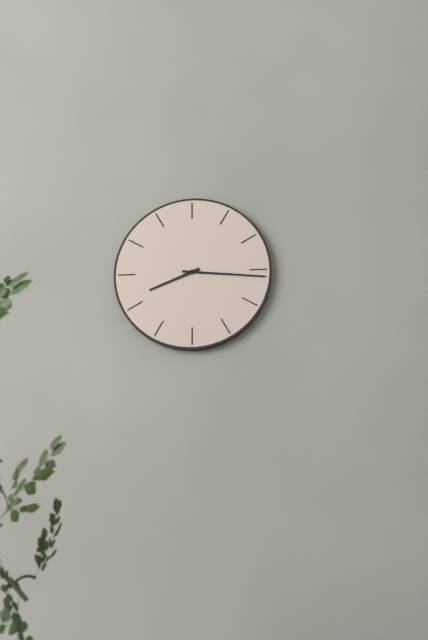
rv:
8.16
